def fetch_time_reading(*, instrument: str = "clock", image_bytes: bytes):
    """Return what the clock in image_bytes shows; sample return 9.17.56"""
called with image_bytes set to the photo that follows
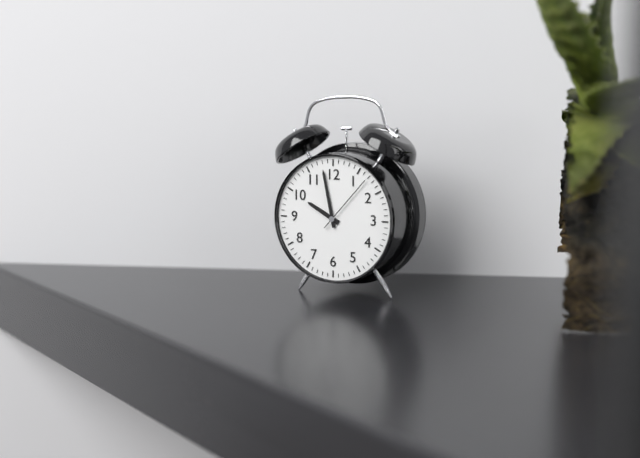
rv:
9.58.07
